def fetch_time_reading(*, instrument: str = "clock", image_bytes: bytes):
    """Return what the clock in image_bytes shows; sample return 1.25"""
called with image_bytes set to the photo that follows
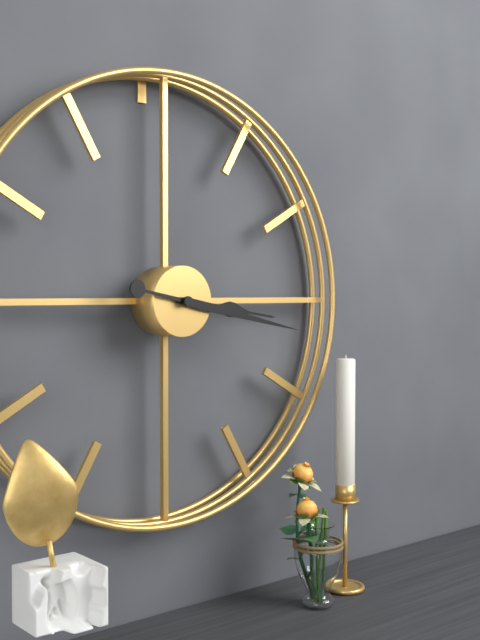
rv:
3.17
